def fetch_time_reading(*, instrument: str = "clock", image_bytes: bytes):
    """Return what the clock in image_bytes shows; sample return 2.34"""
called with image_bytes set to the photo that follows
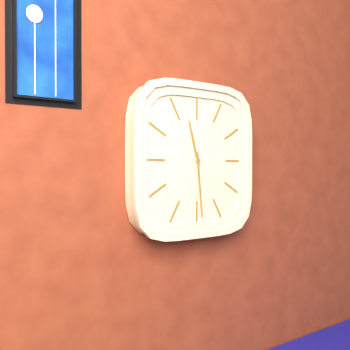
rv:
11.29
